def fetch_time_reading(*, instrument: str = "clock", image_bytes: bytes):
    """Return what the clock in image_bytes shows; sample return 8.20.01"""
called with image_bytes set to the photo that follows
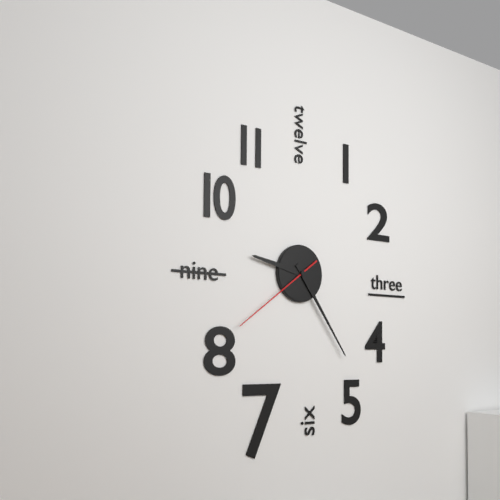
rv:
9.24.39
